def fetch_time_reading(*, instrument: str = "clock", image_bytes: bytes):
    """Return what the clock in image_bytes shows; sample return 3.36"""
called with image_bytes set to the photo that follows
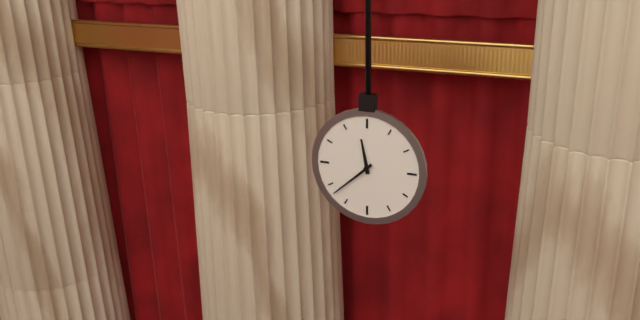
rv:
11.38
